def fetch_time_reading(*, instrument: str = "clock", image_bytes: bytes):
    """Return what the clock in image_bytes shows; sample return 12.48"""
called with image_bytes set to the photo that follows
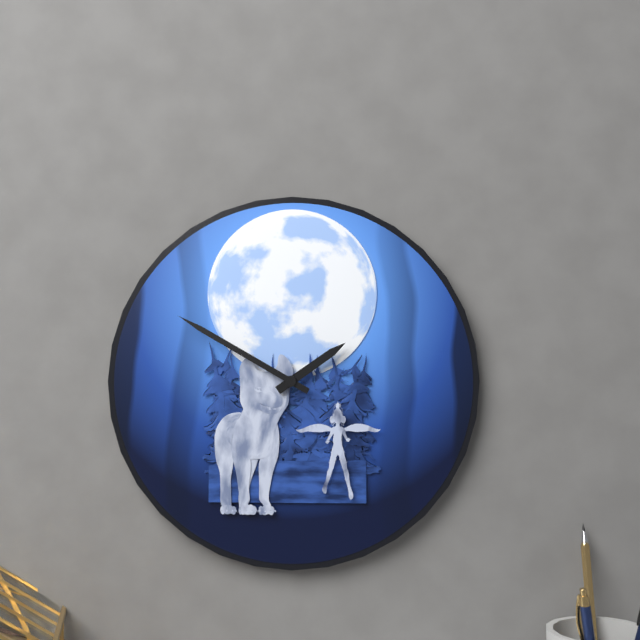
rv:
1.50
